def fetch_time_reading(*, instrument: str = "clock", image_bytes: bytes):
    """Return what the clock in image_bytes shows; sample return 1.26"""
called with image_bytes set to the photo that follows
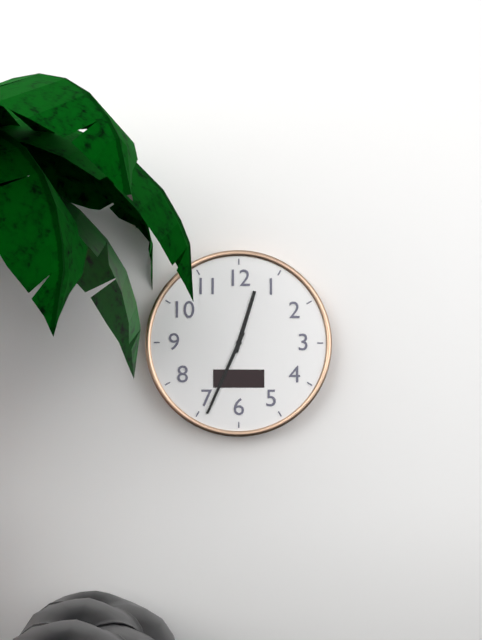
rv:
12.34
